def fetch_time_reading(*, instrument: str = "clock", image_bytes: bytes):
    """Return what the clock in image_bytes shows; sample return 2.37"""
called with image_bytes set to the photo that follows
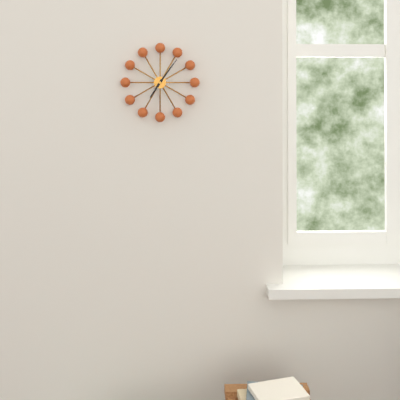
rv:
7.06
